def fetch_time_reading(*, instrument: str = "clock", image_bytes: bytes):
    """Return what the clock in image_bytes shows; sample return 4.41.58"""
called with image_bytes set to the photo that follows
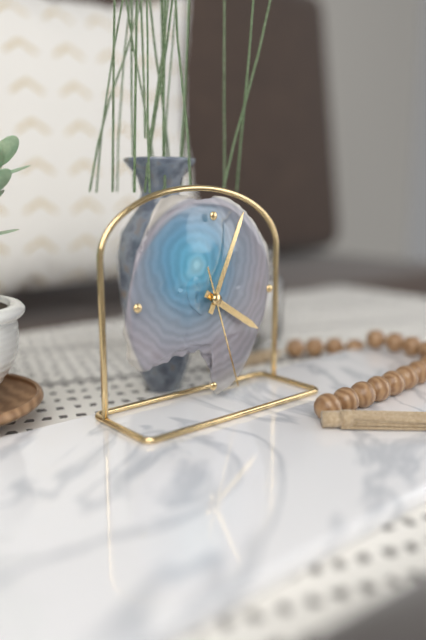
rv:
4.04.27
